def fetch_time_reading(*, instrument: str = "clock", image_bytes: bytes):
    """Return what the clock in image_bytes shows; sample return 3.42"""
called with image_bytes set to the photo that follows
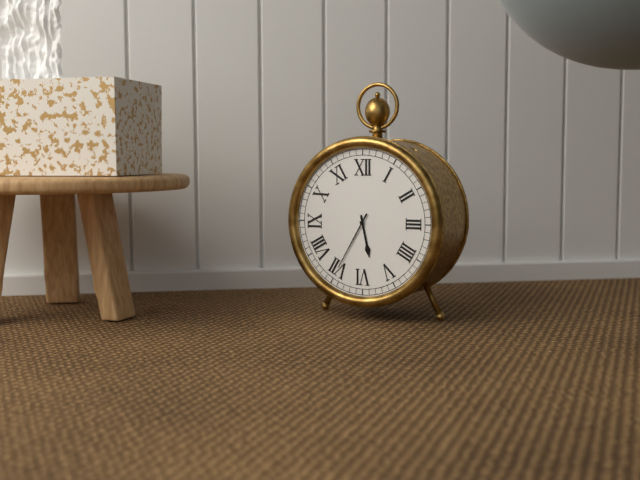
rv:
5.35
